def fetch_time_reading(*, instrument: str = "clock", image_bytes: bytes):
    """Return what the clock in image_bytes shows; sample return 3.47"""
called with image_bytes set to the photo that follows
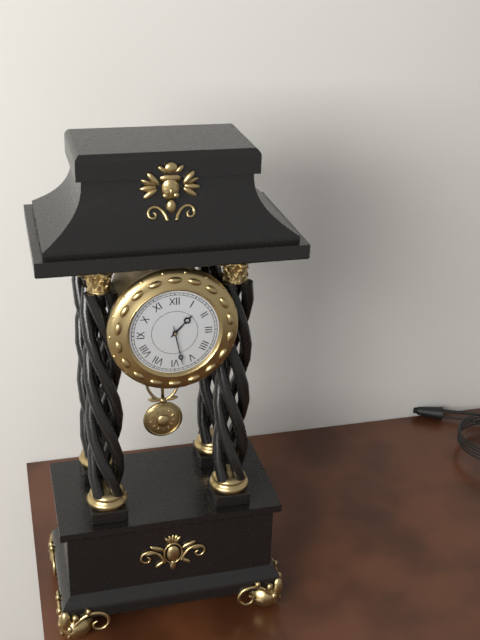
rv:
1.28
